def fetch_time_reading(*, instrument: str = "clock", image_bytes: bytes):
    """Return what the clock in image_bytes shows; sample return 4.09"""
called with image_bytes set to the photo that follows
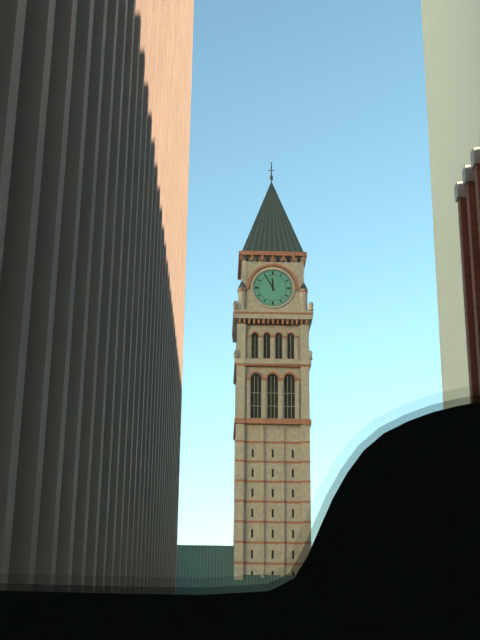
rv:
11.55
